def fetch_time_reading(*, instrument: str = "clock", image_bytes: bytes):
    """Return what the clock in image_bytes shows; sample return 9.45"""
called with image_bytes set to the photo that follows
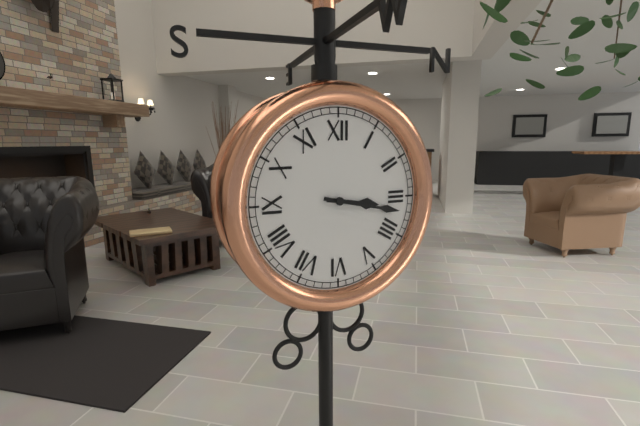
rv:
3.17
